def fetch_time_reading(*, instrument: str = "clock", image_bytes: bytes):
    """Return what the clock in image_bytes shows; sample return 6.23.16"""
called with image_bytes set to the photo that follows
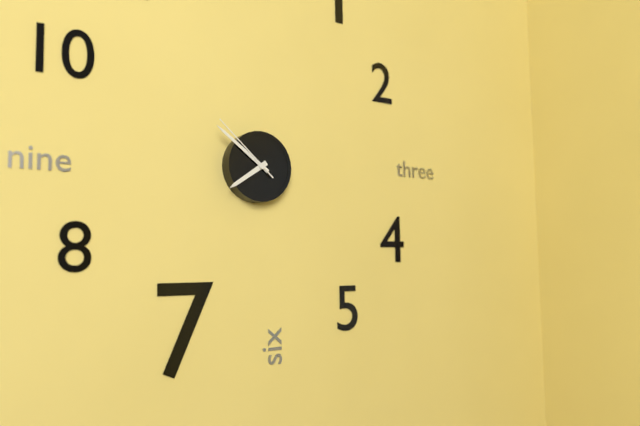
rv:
7.51.52
